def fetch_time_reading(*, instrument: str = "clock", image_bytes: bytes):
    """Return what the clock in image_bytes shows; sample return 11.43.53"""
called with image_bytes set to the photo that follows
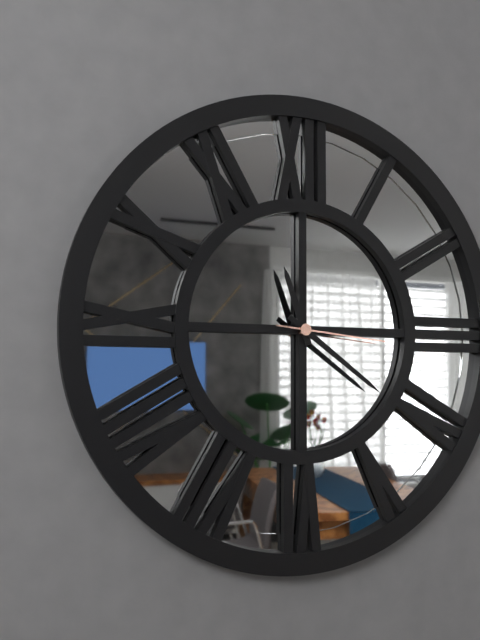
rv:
11.21.16
